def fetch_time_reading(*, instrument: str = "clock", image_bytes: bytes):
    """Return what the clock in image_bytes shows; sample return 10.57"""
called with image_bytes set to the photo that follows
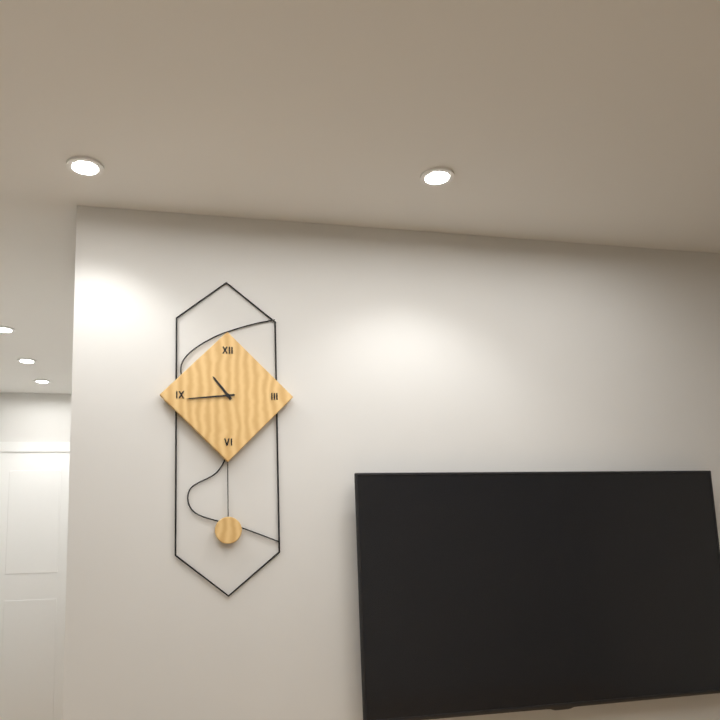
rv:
10.44
